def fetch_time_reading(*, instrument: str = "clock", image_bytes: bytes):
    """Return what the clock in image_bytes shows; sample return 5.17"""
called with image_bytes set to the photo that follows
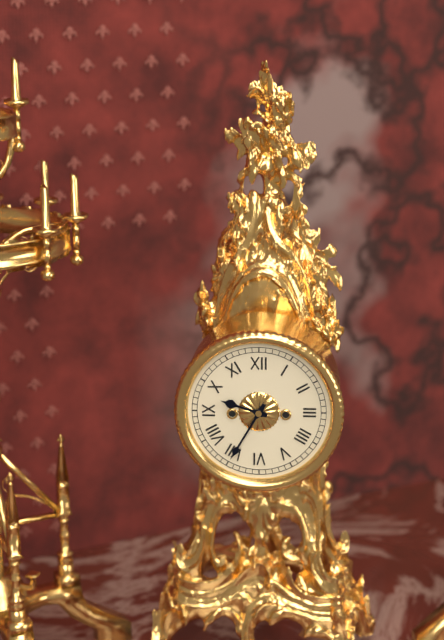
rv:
9.35
